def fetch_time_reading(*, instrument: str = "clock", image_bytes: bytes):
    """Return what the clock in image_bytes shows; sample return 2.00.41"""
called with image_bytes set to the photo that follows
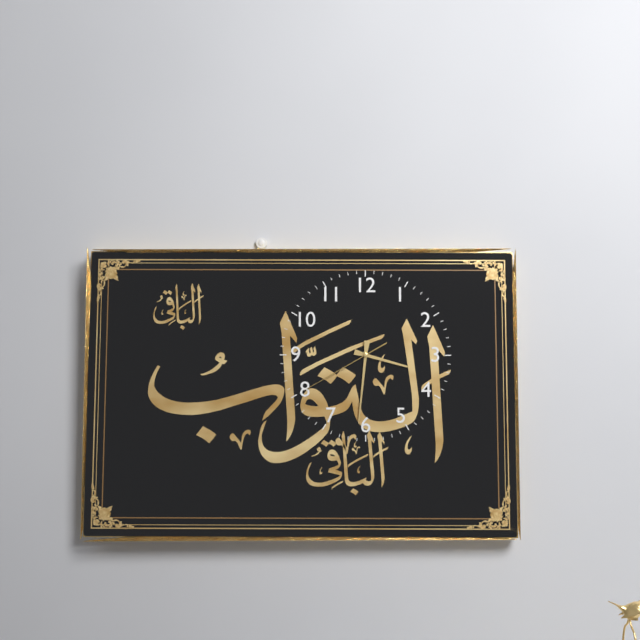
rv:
3.31.40
